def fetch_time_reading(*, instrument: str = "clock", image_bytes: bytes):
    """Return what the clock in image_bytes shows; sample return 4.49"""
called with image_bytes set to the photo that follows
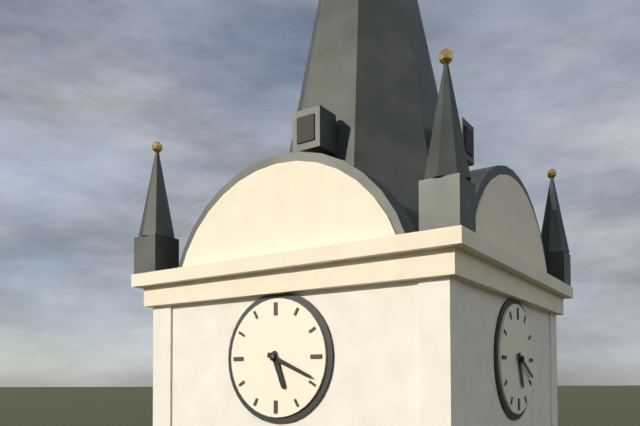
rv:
5.19
